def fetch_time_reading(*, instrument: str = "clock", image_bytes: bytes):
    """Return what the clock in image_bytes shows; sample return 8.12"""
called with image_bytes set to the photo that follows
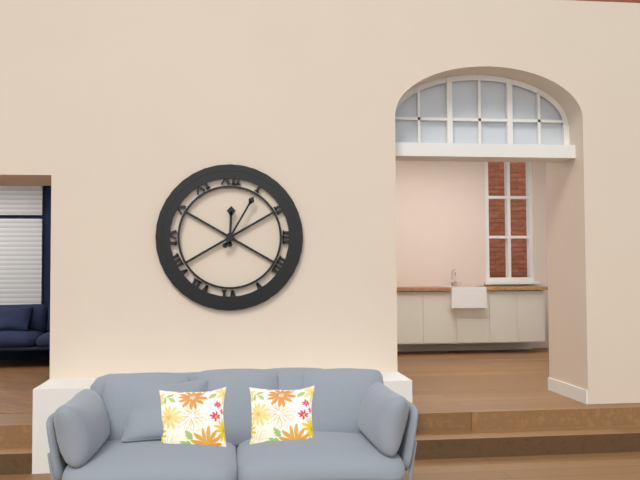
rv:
12.05
